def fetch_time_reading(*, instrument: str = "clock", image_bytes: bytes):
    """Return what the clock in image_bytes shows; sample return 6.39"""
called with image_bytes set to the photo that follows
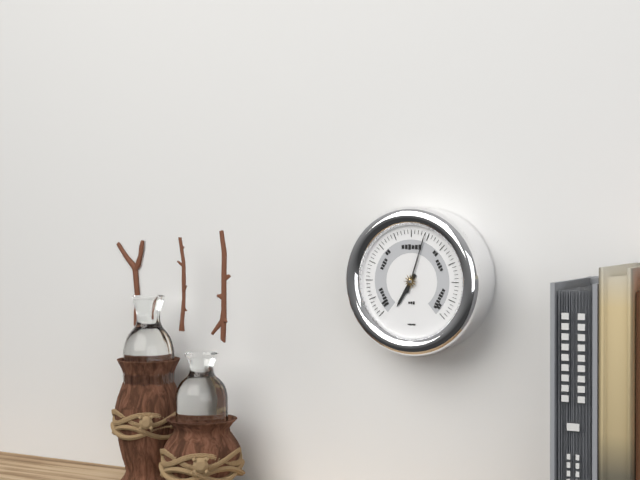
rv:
7.03
